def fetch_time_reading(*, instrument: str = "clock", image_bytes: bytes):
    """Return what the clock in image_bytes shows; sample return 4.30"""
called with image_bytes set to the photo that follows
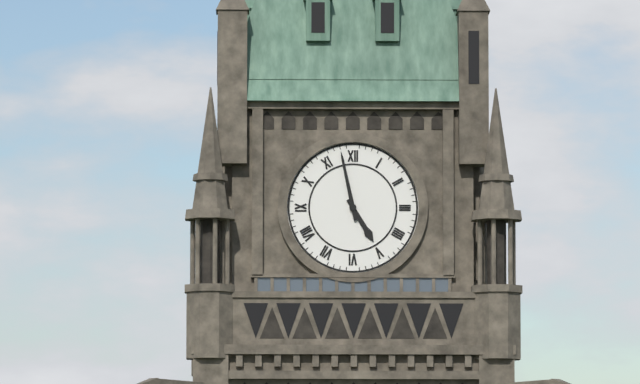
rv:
4.58
